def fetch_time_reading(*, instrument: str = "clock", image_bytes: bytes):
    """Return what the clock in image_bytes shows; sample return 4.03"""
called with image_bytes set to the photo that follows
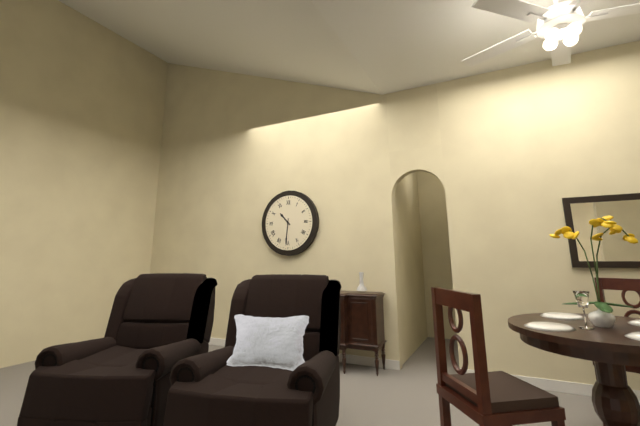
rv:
10.31
